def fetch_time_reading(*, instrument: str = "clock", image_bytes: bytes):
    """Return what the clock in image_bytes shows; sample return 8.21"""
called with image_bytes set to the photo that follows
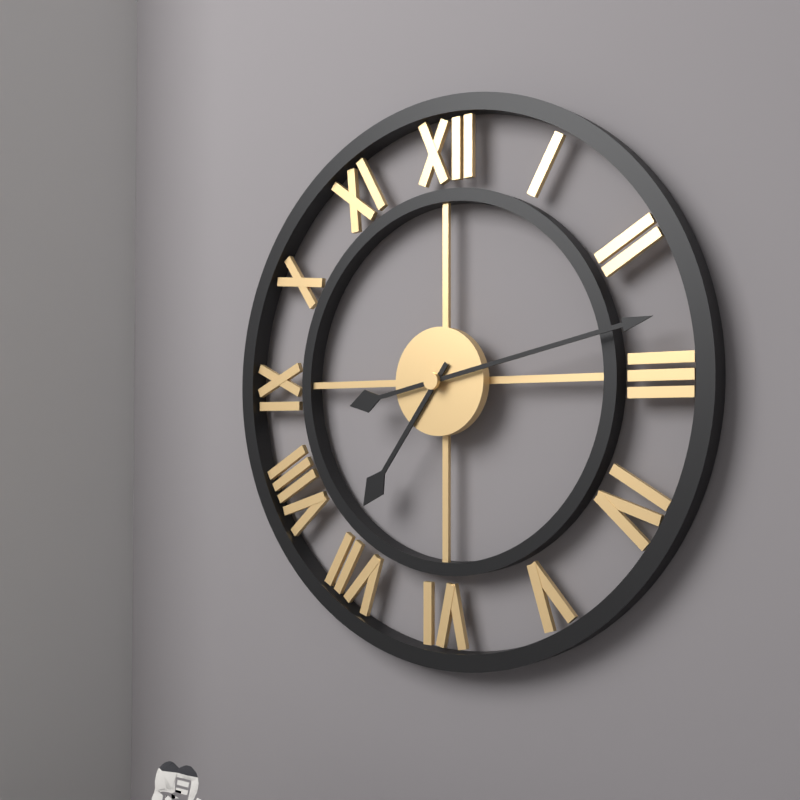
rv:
7.13
